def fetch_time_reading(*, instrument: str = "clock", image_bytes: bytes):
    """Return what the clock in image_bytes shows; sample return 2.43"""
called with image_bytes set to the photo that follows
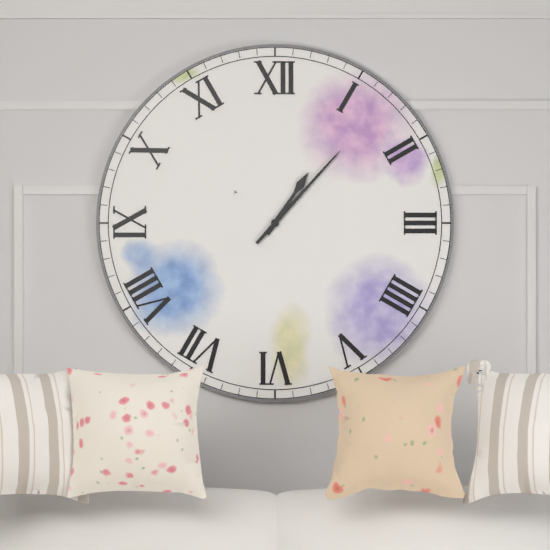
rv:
1.07
